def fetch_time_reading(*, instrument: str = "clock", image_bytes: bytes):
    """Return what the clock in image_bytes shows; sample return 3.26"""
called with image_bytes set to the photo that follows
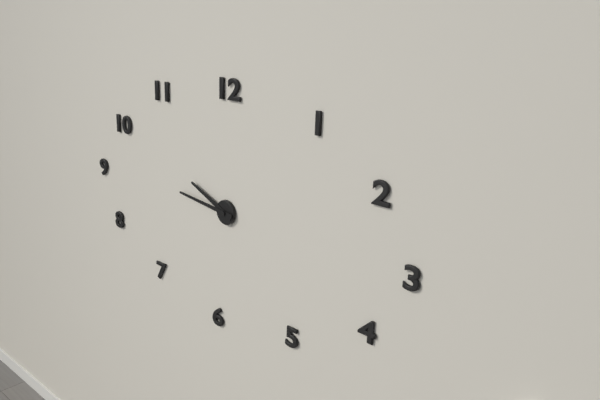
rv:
9.46
